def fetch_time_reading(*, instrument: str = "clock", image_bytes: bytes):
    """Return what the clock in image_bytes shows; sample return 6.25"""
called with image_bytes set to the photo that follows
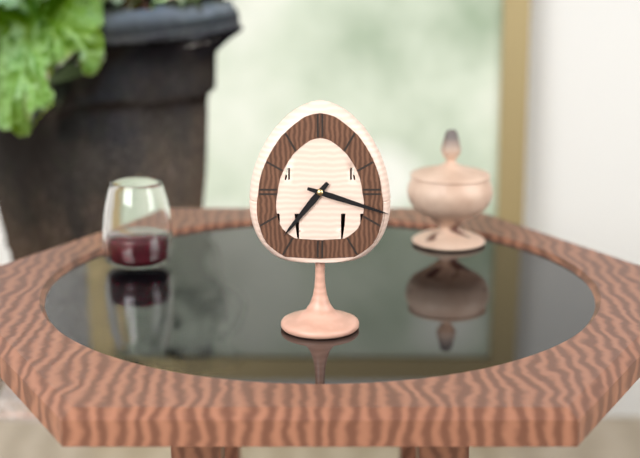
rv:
7.18
